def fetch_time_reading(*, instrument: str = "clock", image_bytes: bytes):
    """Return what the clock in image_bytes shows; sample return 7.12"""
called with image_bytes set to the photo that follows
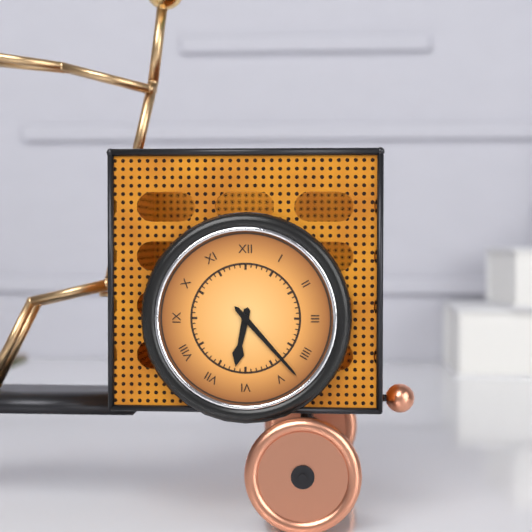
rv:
6.23
